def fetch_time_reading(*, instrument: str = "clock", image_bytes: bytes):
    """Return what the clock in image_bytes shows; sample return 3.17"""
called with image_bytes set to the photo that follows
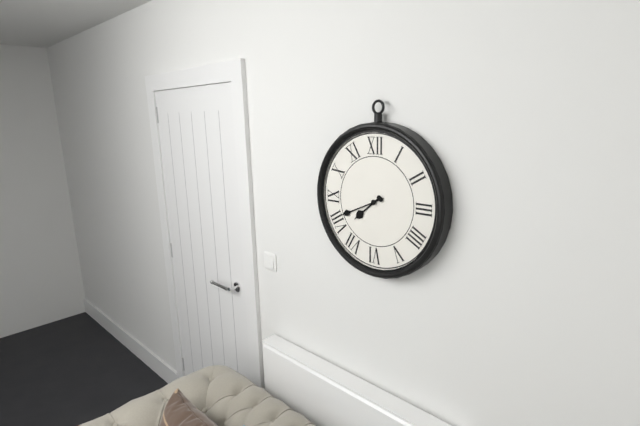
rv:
7.41
